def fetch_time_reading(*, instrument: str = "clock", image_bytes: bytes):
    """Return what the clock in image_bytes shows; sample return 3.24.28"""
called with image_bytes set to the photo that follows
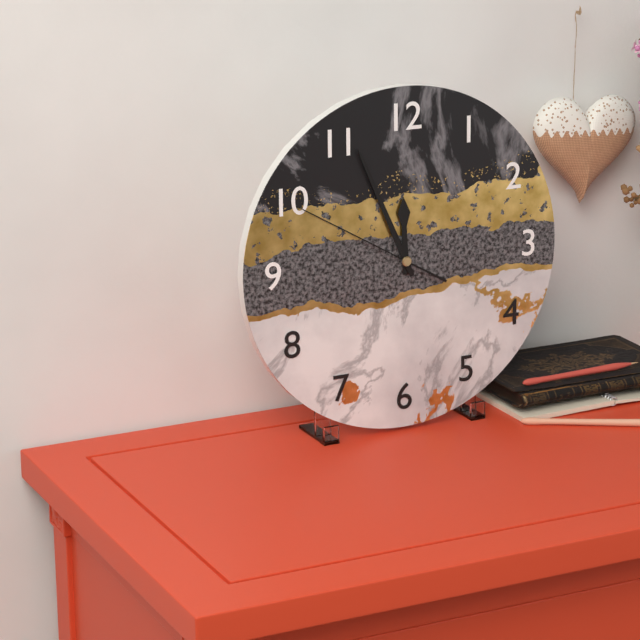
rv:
11.56.50
